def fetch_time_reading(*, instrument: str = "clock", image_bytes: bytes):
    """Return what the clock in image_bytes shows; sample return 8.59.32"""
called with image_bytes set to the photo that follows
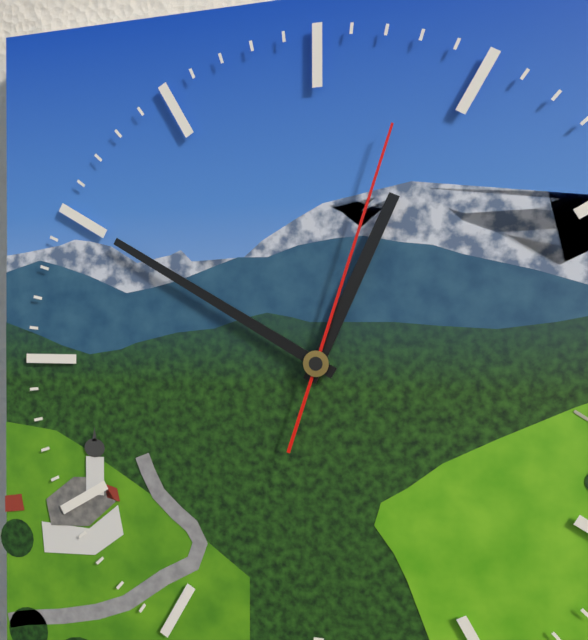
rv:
12.50.03
